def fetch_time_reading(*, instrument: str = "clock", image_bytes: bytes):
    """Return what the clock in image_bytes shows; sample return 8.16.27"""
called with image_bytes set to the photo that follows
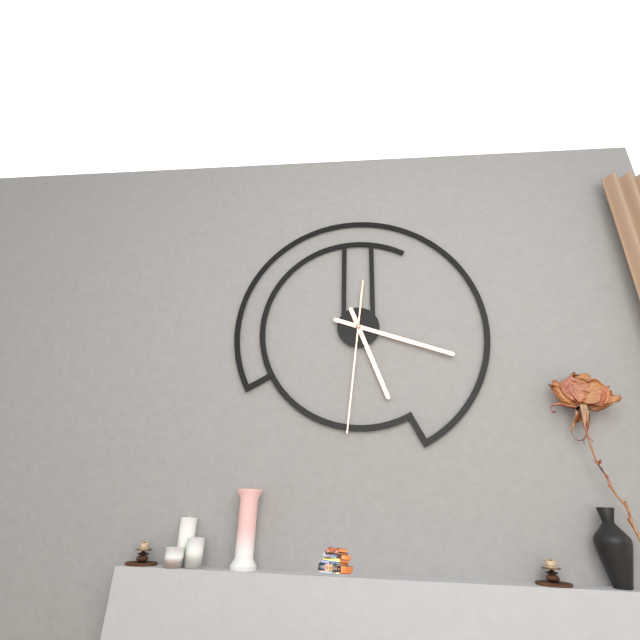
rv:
5.18.31
